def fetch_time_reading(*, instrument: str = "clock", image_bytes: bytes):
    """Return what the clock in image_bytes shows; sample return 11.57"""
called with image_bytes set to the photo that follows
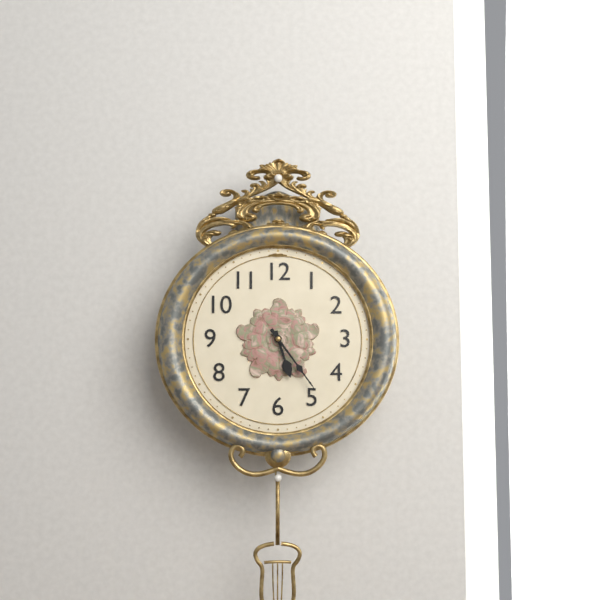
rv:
5.24
